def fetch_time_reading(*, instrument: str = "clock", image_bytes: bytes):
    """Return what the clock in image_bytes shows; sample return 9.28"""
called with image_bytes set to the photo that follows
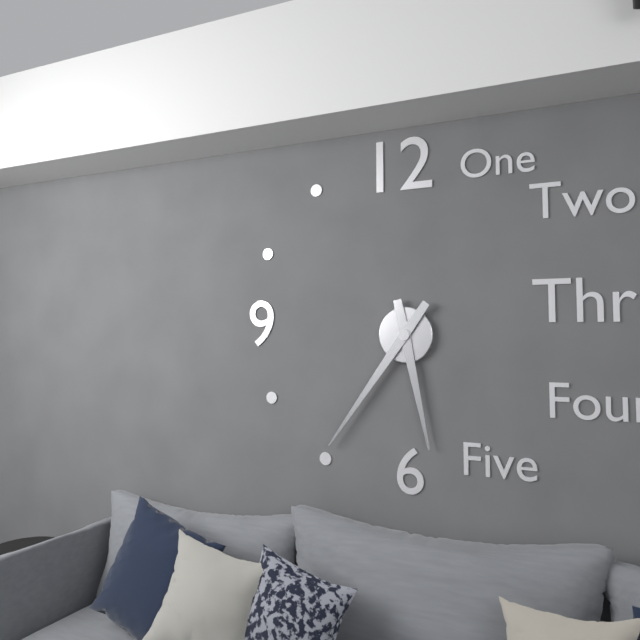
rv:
5.36
